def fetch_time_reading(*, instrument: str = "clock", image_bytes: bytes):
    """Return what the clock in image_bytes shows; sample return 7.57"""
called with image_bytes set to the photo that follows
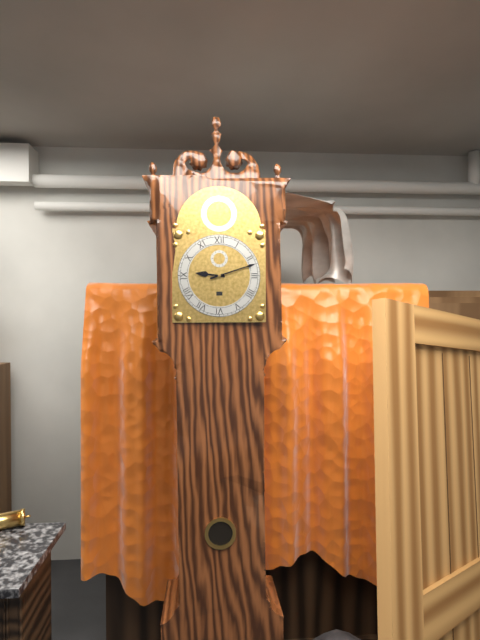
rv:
9.12
